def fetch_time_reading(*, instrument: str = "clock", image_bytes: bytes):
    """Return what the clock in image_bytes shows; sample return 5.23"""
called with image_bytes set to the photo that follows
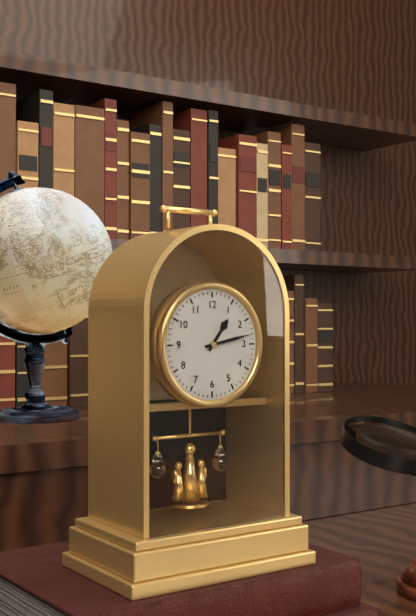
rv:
1.13
